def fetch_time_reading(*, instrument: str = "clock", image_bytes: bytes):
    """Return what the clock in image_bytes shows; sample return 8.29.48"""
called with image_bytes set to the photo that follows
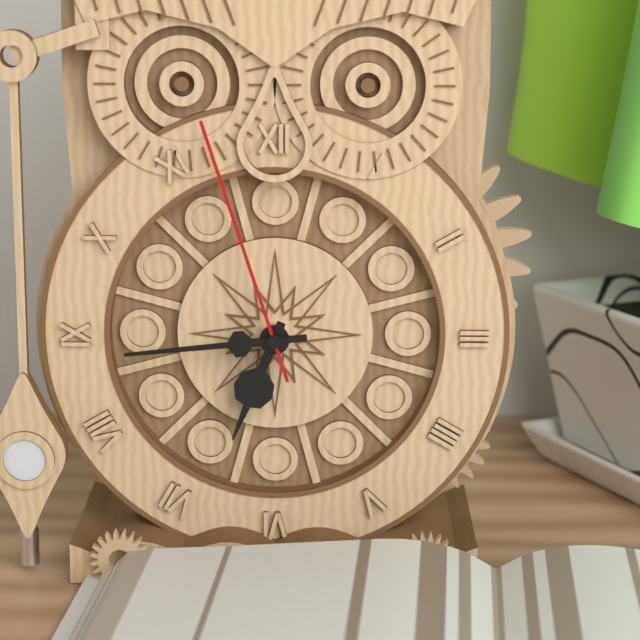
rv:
6.44.57
